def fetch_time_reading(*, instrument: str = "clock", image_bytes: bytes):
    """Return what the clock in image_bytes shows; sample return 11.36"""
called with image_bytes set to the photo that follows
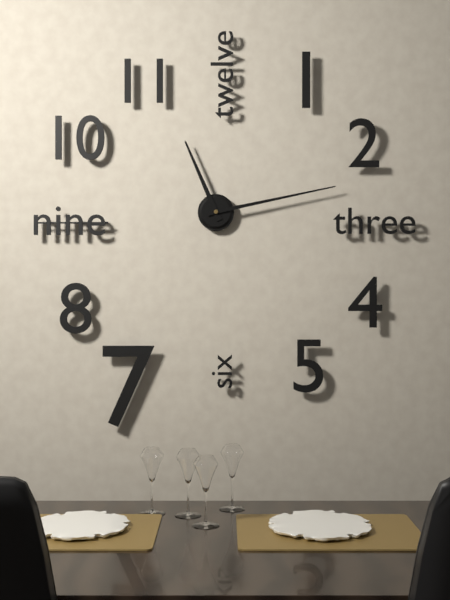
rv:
11.13
